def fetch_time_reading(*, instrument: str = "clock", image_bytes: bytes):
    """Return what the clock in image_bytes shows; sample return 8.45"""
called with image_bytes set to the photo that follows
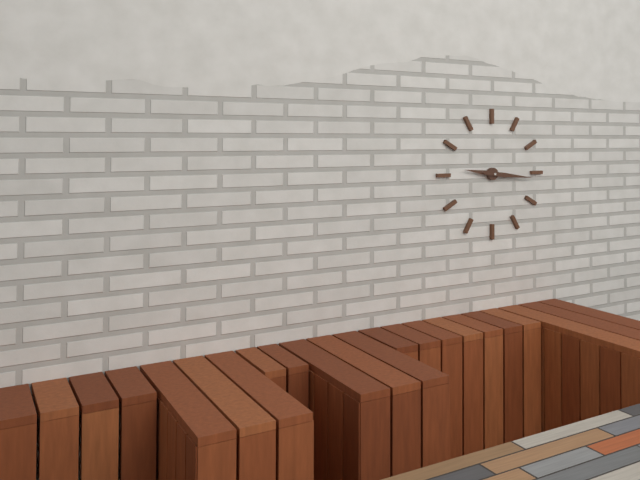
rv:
9.16
